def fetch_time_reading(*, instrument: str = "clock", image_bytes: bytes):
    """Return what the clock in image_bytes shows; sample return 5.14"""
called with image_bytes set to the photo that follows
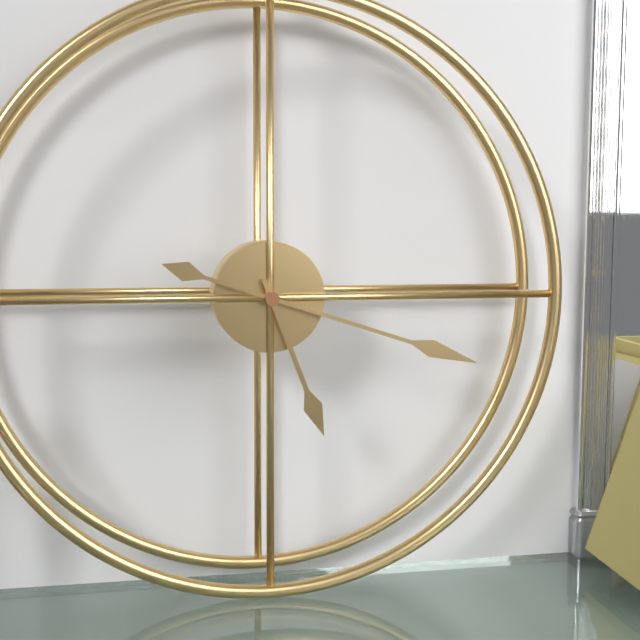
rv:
5.18
